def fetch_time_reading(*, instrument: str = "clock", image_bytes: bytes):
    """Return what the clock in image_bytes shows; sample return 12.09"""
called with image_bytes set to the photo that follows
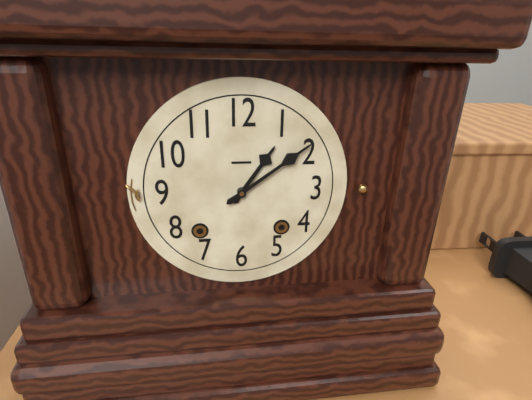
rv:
1.09
